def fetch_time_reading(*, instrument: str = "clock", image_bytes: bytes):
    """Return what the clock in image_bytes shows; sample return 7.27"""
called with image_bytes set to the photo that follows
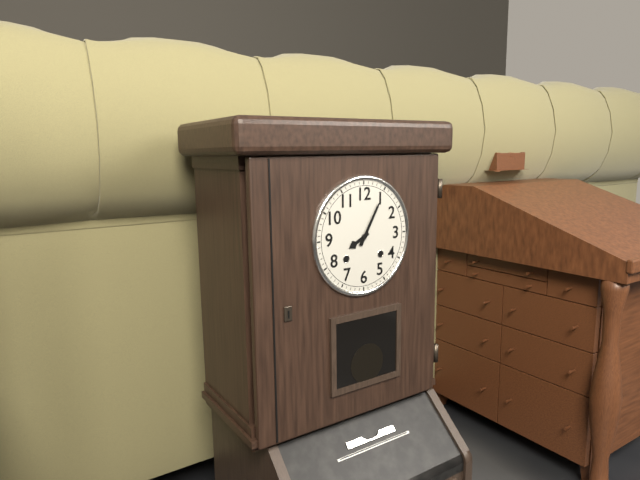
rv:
8.05
